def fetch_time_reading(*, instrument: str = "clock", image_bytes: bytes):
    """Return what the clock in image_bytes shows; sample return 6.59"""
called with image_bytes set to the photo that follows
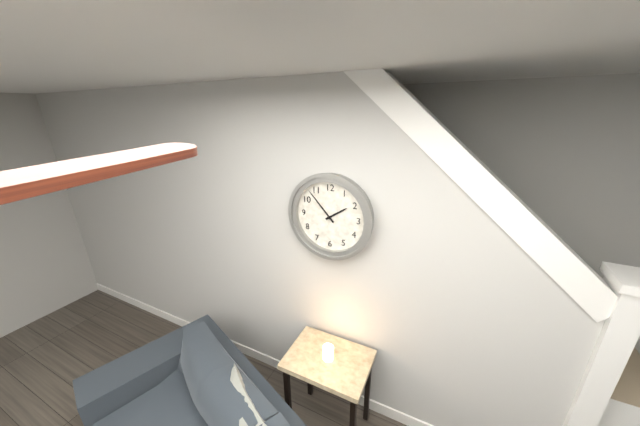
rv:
1.53
